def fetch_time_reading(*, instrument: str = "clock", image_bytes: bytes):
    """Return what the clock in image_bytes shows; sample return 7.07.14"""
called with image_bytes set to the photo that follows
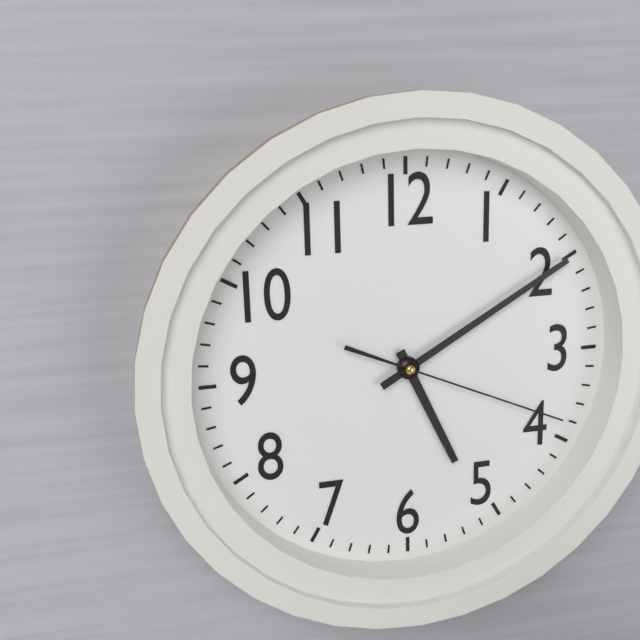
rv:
5.10.19
